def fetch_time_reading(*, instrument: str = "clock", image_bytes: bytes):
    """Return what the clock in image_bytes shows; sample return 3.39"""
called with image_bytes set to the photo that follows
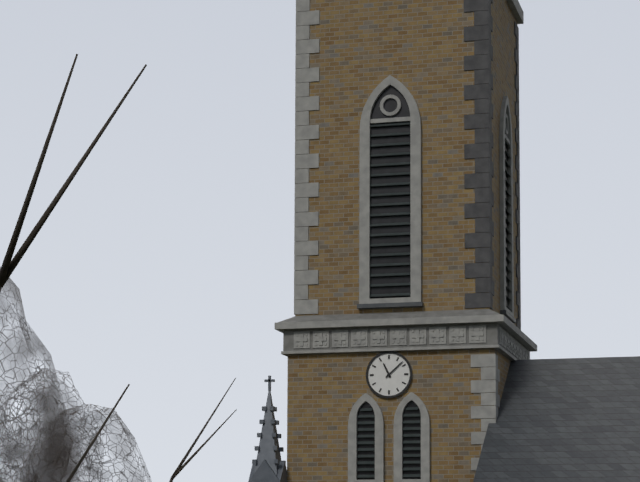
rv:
11.08
